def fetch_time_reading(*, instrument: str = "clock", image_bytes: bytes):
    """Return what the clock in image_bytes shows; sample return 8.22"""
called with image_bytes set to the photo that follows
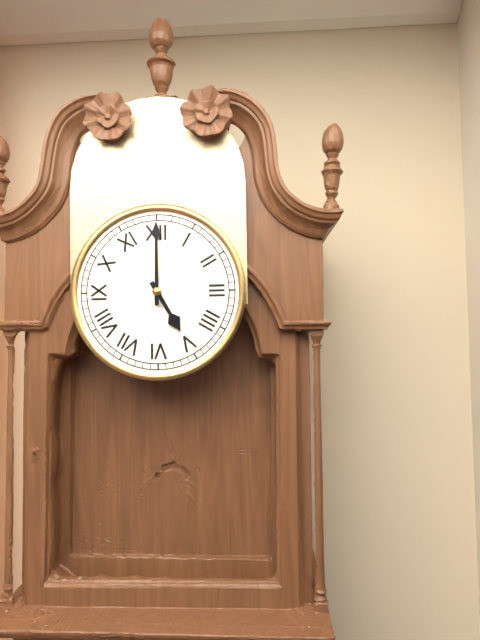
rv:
5.00
